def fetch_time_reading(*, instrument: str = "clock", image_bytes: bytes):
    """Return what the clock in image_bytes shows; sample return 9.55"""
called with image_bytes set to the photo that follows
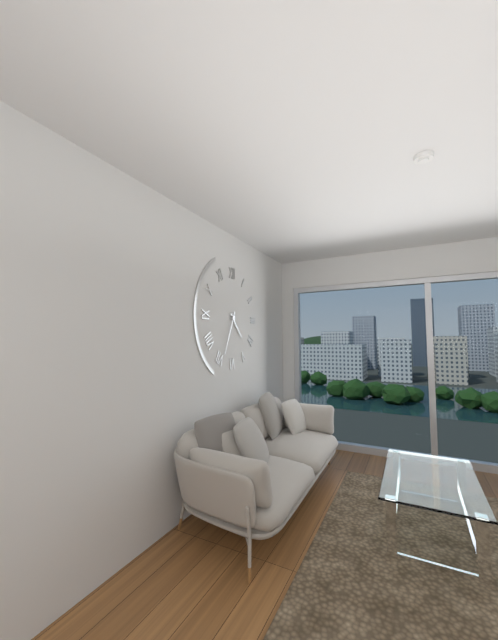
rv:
4.34
